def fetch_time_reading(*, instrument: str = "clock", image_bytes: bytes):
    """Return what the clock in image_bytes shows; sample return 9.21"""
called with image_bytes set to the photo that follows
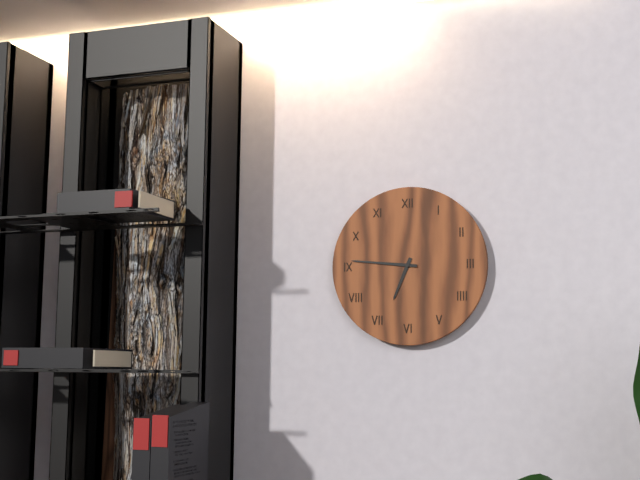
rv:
6.46
